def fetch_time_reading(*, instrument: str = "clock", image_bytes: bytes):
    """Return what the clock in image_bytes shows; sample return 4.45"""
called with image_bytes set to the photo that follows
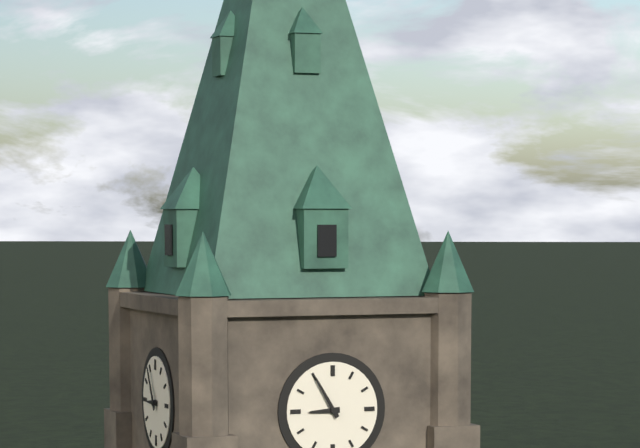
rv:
8.55
